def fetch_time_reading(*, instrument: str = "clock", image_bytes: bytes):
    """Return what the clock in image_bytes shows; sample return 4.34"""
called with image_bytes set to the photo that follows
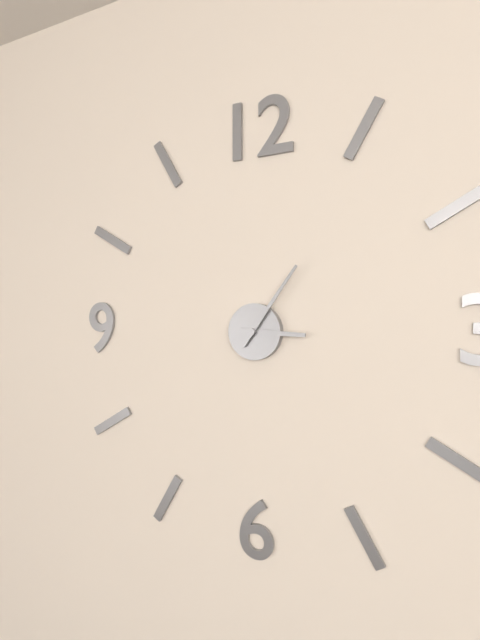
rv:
3.06
